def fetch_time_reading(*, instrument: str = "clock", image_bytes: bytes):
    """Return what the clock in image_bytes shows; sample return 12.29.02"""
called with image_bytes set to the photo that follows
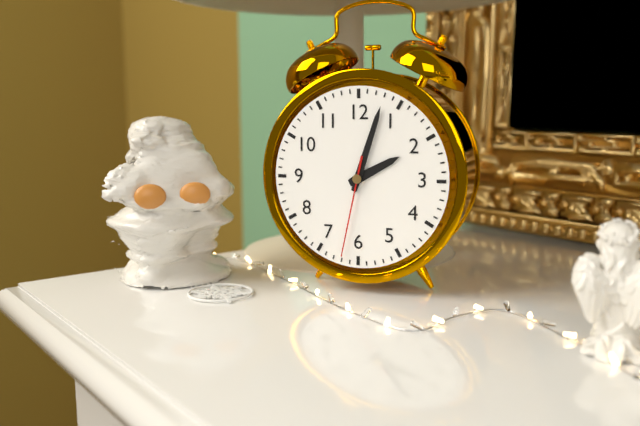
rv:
2.03.32
